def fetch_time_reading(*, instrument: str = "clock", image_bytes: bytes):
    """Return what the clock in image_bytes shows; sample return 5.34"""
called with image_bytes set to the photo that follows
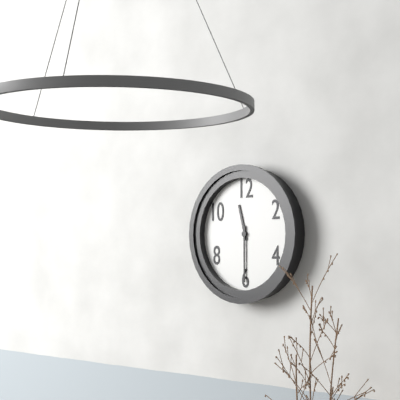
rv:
11.30
